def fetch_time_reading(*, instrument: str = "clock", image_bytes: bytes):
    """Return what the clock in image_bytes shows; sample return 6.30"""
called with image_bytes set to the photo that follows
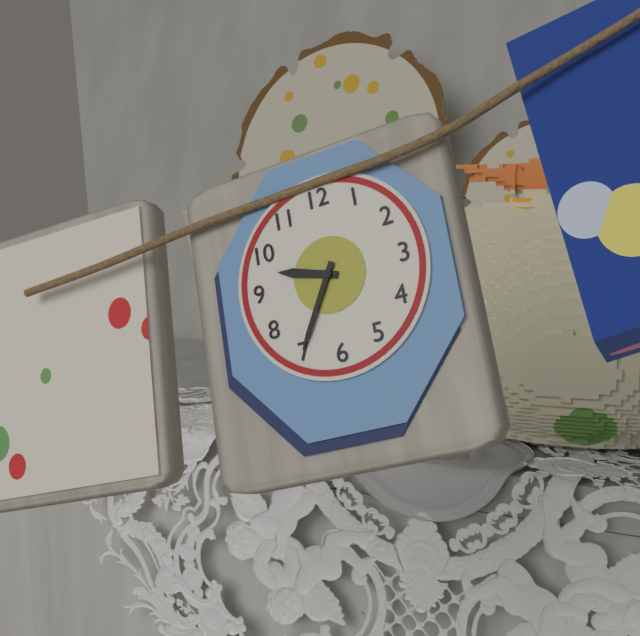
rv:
9.35
